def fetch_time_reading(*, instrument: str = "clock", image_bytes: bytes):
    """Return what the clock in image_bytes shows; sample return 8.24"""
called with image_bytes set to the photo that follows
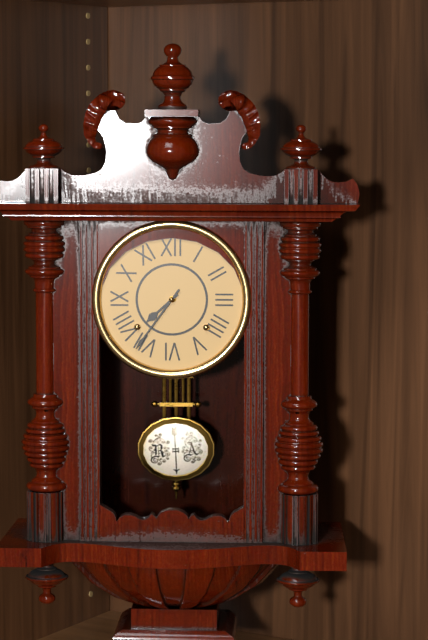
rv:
7.36
